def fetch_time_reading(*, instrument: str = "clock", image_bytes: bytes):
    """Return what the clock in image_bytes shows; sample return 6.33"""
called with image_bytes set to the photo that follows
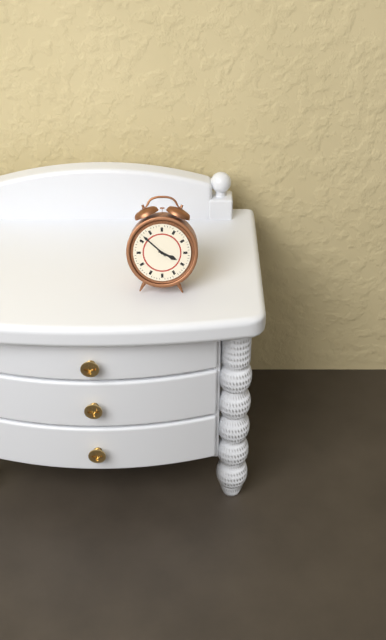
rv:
3.52
